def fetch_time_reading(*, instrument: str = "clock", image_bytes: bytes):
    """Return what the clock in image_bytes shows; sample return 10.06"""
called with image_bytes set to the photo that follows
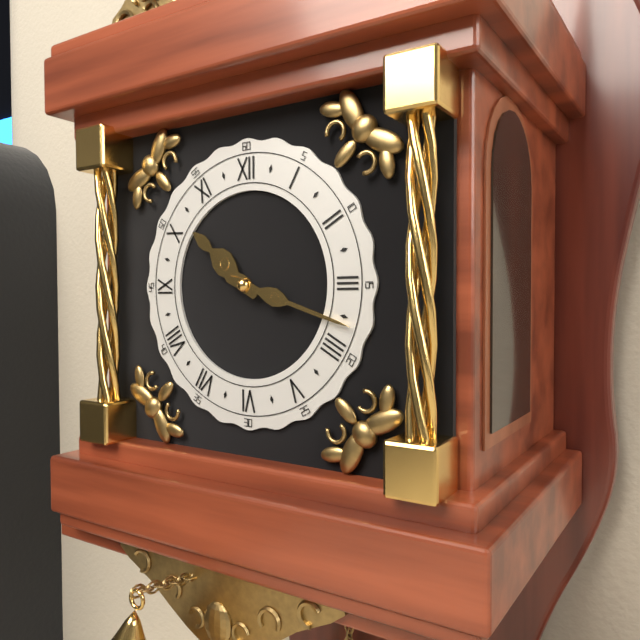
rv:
10.18
